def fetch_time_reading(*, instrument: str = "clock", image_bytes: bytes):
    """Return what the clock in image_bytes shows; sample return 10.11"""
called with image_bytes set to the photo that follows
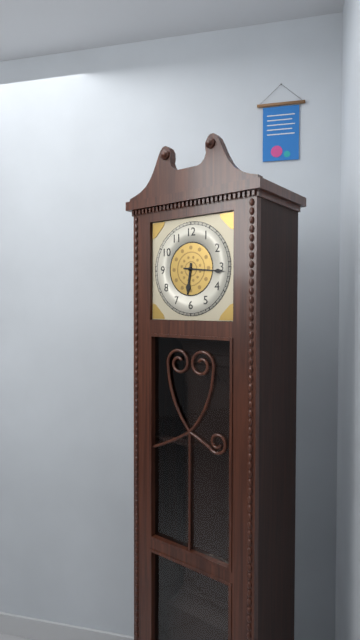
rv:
6.16
